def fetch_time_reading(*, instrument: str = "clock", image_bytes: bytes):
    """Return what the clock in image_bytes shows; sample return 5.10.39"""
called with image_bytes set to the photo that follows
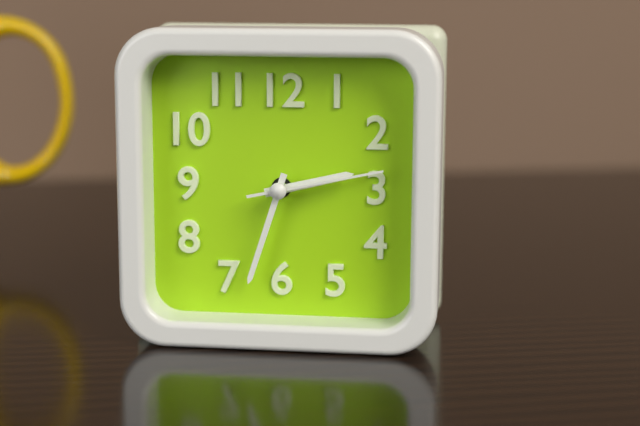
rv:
2.33.13
